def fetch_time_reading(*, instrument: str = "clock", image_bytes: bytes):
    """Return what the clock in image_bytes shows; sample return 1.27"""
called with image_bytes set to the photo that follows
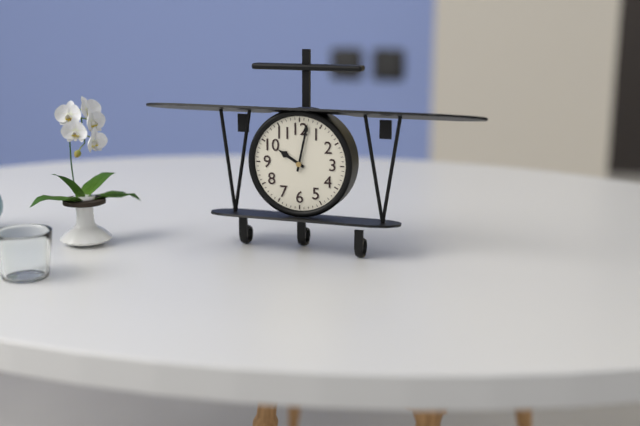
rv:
10.02
